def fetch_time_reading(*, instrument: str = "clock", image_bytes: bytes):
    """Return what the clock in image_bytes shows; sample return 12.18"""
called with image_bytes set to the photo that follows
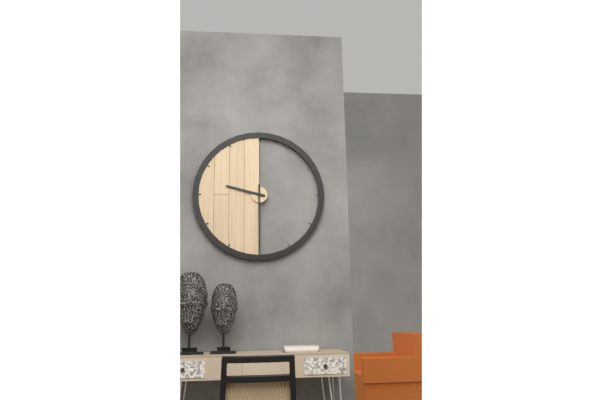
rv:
9.30
